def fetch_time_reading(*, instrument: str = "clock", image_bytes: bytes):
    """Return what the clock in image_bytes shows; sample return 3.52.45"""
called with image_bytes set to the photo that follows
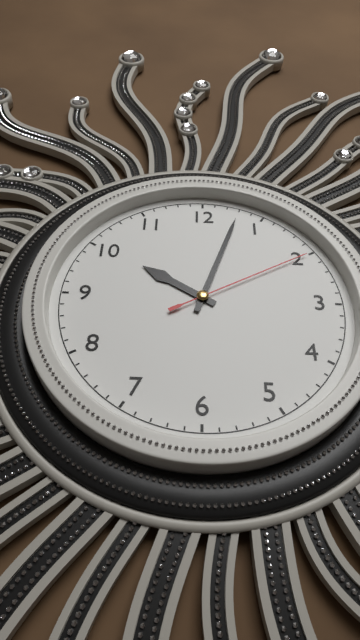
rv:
10.03.10
